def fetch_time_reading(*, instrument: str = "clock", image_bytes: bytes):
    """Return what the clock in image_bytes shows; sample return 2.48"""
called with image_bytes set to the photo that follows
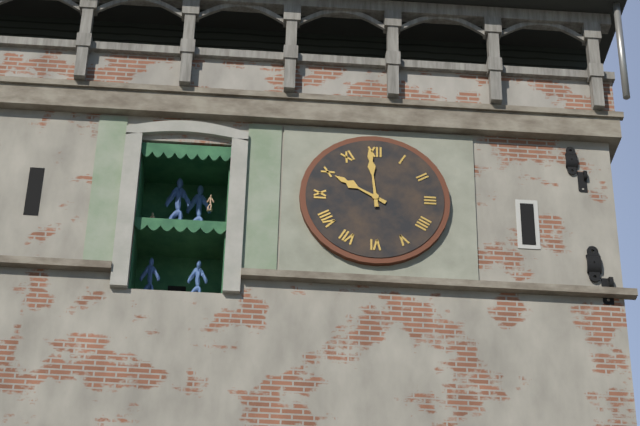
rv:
9.59
